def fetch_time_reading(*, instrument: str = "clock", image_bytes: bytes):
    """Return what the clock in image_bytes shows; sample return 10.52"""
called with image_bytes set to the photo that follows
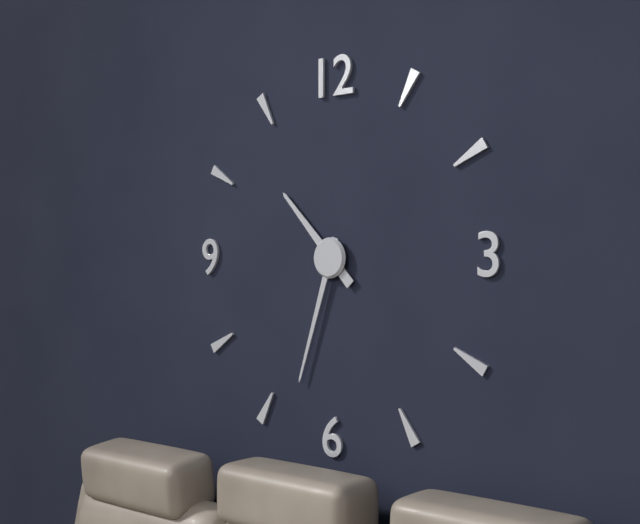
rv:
10.33
